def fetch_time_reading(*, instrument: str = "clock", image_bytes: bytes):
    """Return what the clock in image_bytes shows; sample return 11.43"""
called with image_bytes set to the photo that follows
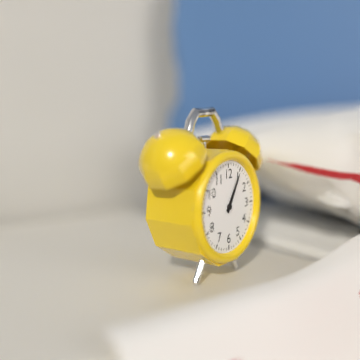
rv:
1.05
